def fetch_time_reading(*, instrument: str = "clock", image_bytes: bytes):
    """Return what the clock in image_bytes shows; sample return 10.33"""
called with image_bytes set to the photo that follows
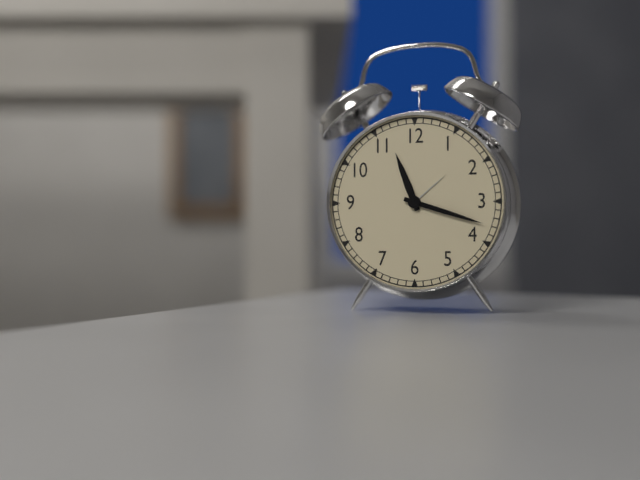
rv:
11.18
